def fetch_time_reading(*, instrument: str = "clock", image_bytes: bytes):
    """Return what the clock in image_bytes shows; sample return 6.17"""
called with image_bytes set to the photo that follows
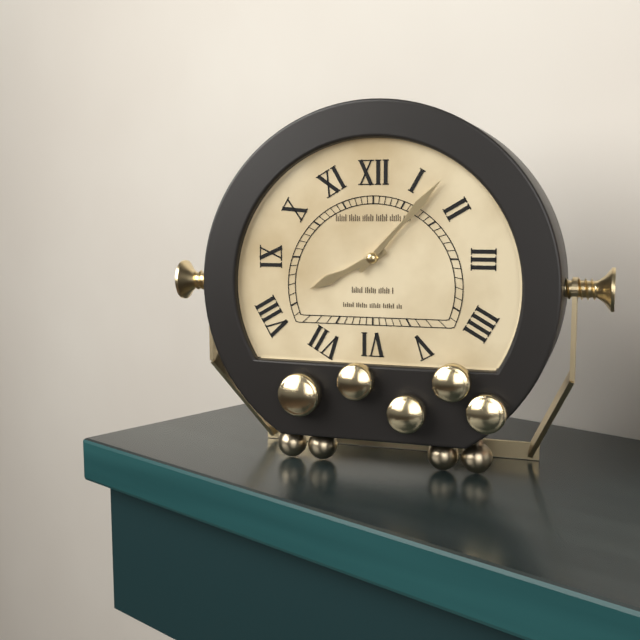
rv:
8.07
